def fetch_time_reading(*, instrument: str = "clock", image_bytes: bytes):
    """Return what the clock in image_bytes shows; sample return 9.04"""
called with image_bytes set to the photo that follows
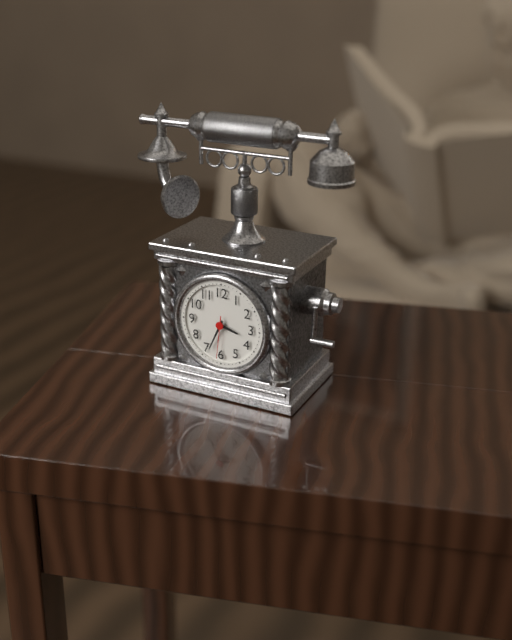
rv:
3.34
